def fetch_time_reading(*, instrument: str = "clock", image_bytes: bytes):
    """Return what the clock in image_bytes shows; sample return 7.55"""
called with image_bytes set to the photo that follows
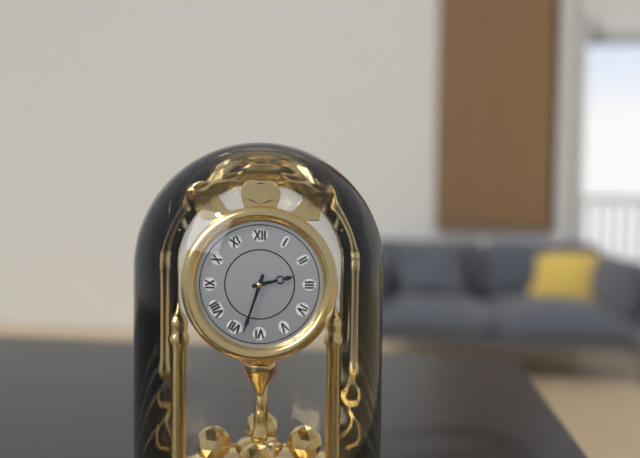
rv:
2.33
